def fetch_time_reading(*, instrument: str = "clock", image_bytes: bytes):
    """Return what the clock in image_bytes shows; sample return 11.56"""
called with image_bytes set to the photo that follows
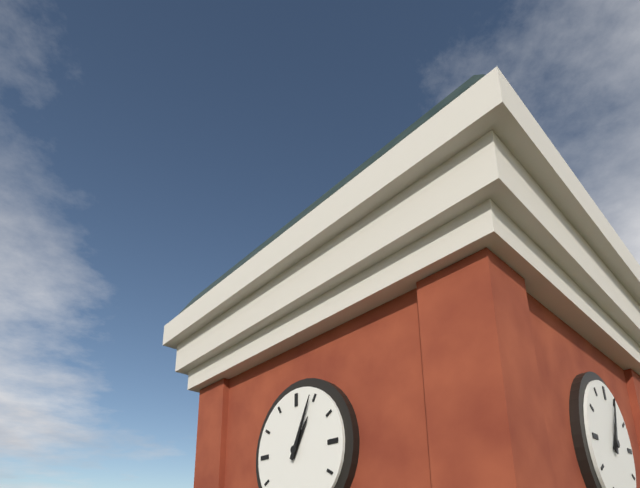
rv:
1.04
